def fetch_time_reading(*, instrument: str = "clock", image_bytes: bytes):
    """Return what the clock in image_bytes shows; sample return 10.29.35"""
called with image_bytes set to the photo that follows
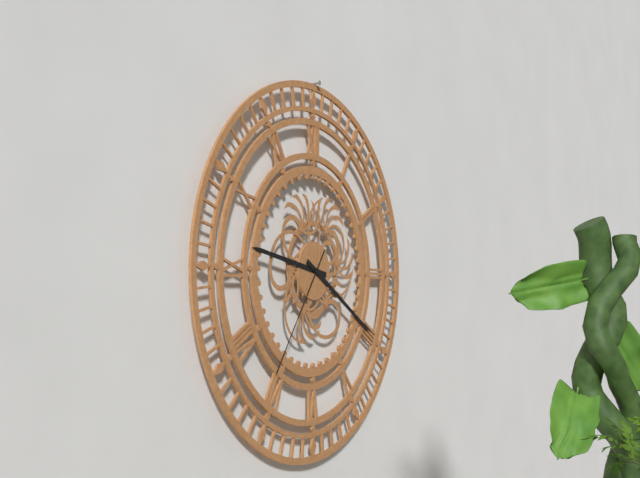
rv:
9.20.36
